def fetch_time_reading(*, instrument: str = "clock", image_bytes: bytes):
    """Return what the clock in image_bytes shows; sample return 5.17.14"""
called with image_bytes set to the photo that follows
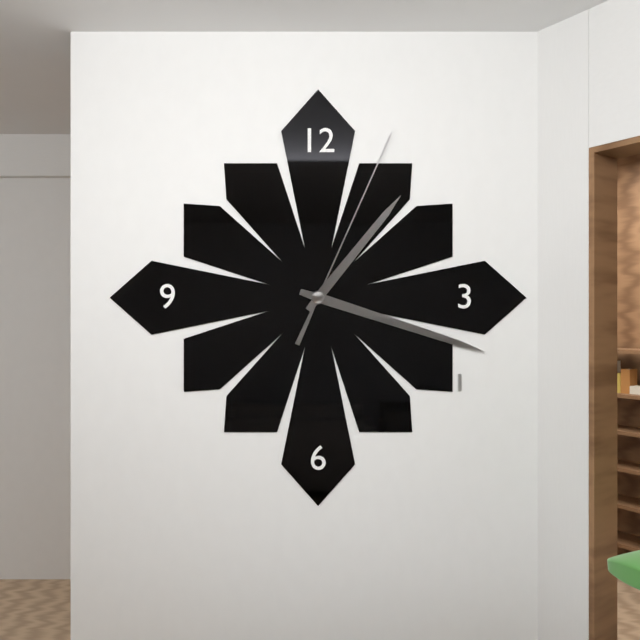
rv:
1.18.04
